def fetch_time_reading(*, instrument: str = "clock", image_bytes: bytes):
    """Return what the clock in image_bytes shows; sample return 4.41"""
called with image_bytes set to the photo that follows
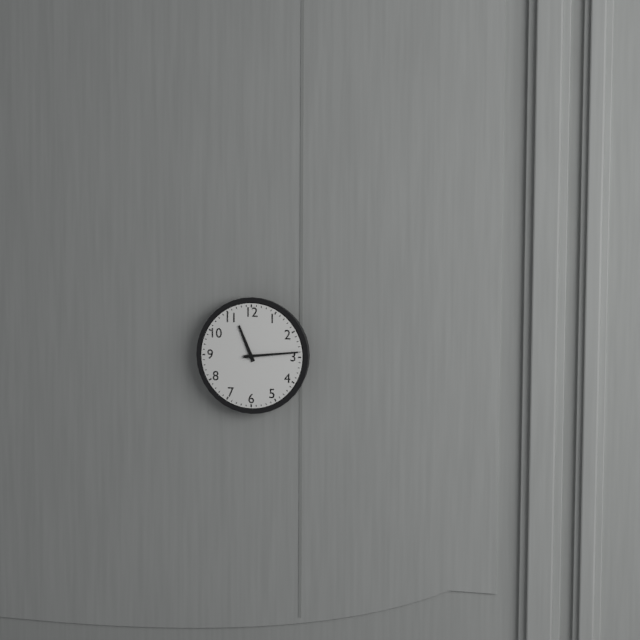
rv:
11.14
